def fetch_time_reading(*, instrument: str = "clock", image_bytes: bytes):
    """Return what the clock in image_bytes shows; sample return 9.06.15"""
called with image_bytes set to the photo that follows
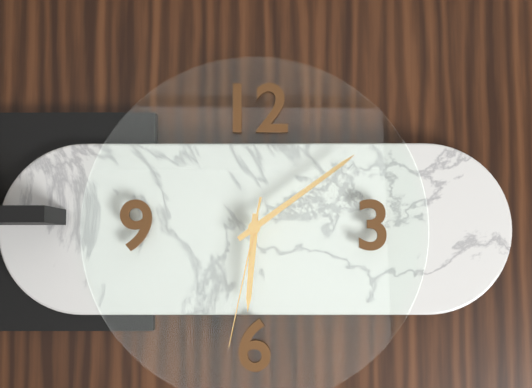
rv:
6.09.32
